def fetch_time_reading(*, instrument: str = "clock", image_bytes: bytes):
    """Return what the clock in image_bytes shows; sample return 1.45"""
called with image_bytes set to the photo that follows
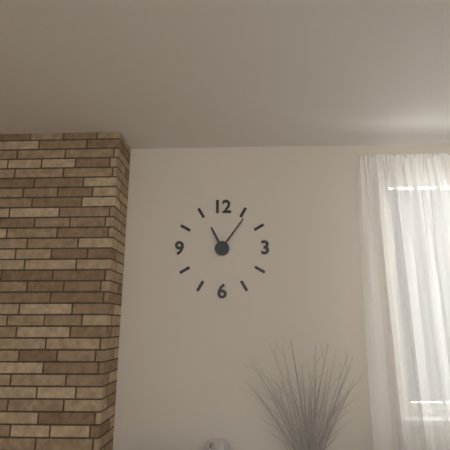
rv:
11.06
